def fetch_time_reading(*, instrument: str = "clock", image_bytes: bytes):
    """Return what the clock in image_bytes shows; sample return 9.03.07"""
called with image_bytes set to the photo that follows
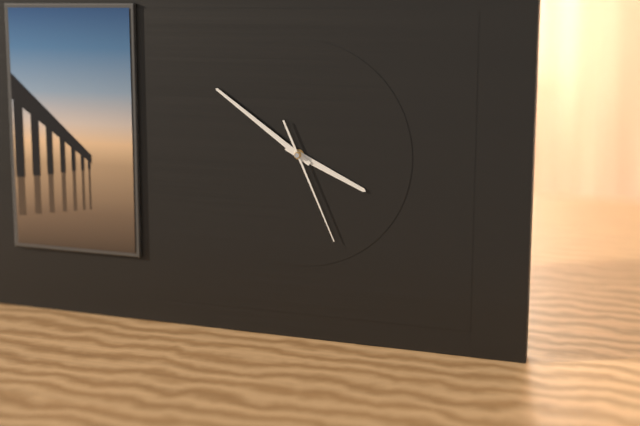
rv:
3.51.26
